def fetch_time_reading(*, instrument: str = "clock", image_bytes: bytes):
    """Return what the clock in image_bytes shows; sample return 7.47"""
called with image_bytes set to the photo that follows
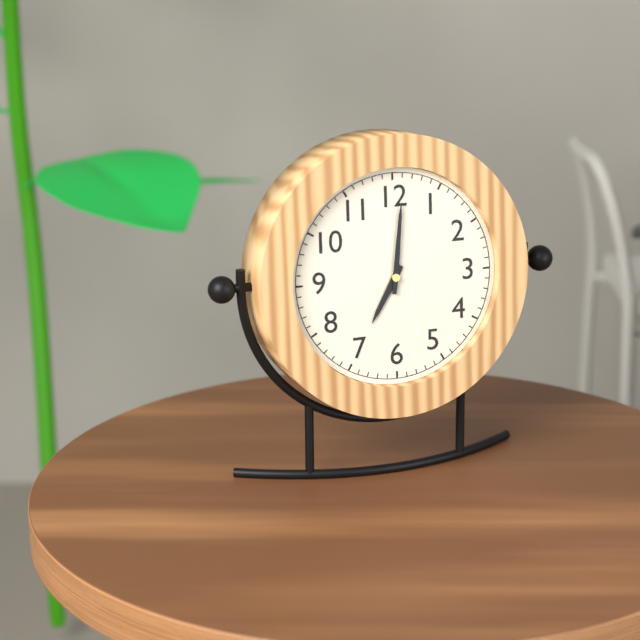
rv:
7.01
